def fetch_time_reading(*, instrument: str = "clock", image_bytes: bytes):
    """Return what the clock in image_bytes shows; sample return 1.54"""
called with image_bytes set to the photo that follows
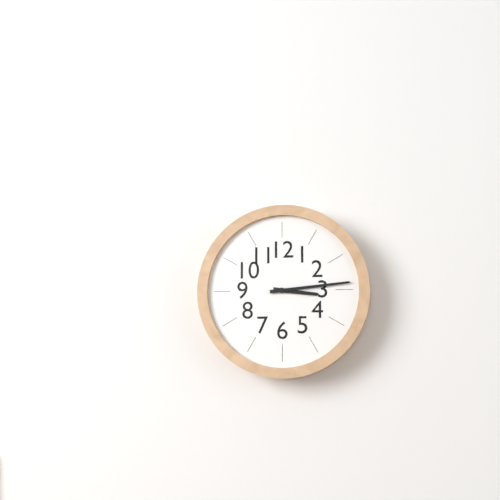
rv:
3.14
